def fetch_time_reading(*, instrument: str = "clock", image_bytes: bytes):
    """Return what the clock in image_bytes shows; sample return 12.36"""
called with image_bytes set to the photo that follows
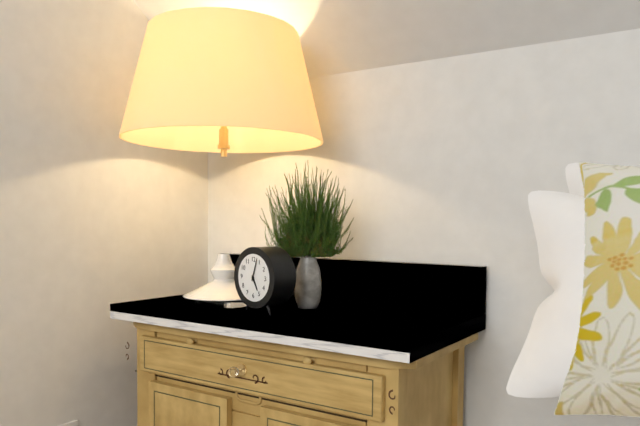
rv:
5.03
